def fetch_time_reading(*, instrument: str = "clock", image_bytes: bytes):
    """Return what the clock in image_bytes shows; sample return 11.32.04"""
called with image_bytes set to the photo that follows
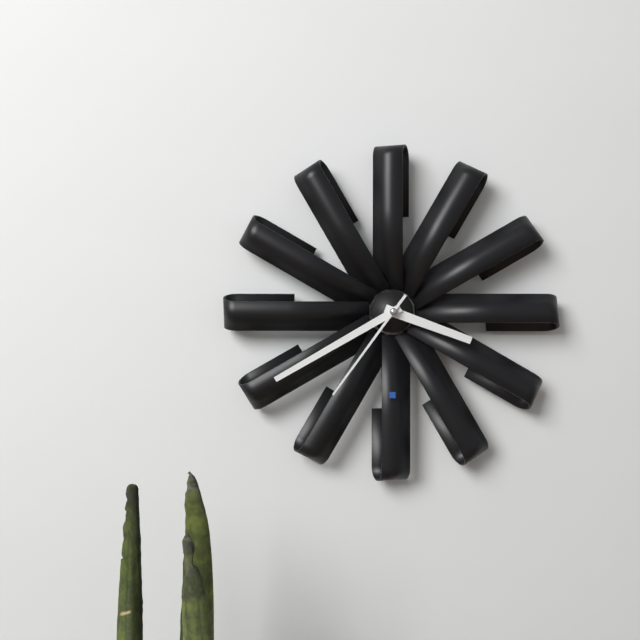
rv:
3.40.36
